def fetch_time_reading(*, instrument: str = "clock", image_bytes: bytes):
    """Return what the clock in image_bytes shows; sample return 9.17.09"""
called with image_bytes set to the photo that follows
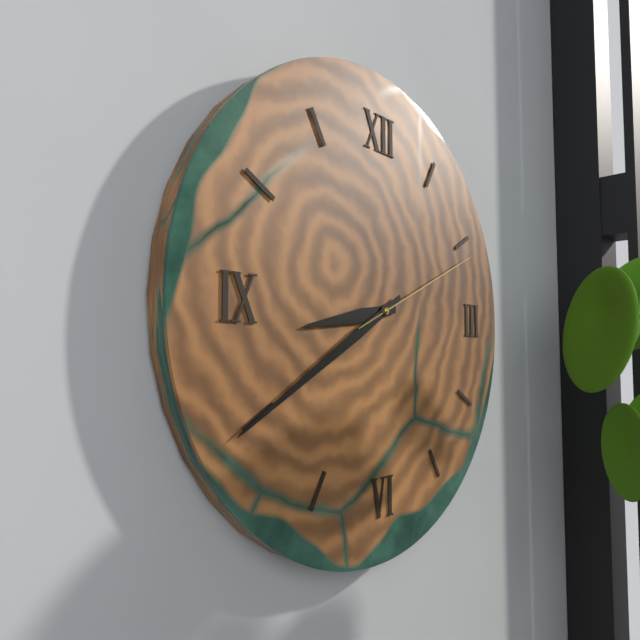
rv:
8.40.11
